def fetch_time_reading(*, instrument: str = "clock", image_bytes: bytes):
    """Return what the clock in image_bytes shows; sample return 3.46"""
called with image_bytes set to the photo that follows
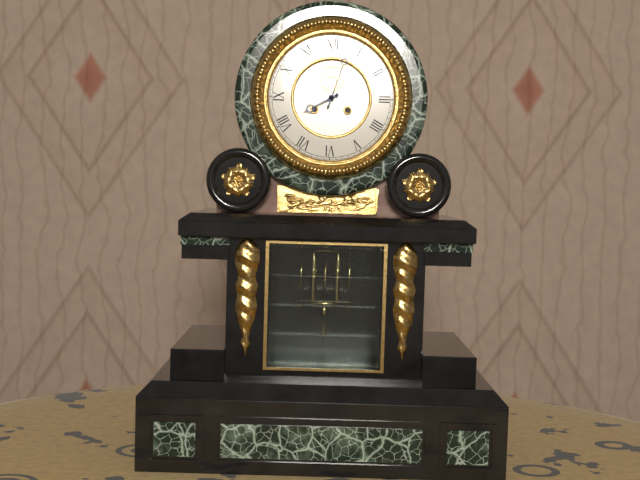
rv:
8.03
